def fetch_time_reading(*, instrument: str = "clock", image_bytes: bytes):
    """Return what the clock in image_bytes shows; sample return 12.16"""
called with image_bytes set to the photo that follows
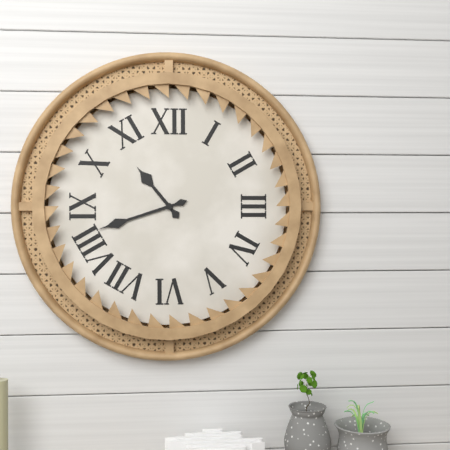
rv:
10.42
